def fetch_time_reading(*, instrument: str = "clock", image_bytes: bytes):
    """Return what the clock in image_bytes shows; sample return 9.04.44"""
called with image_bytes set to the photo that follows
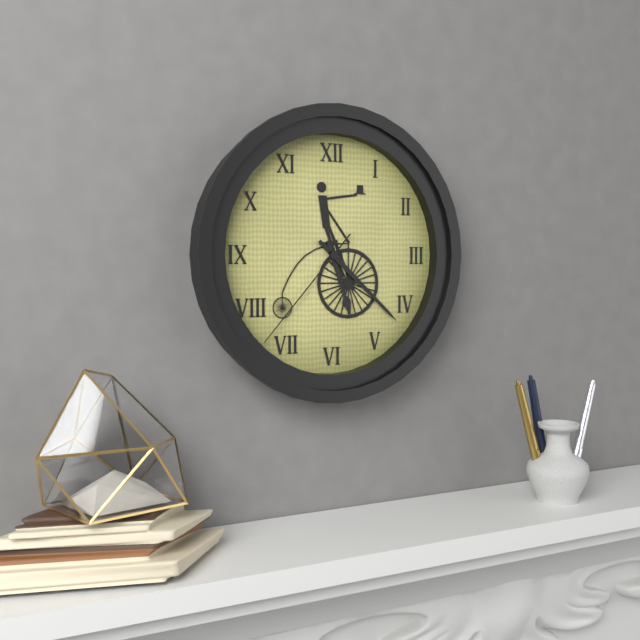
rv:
5.22.37
